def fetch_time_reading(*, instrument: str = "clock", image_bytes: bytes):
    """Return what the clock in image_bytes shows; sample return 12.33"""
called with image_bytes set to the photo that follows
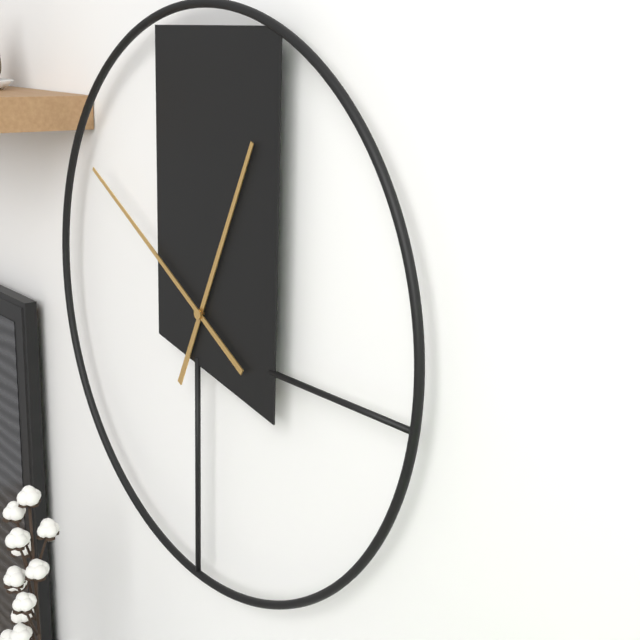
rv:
12.50
